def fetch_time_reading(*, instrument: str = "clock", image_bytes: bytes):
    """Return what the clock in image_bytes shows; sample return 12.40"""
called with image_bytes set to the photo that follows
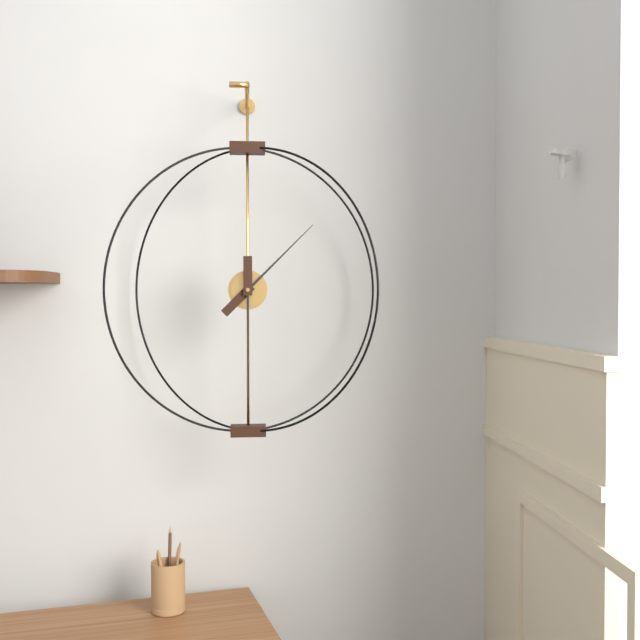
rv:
1.30
